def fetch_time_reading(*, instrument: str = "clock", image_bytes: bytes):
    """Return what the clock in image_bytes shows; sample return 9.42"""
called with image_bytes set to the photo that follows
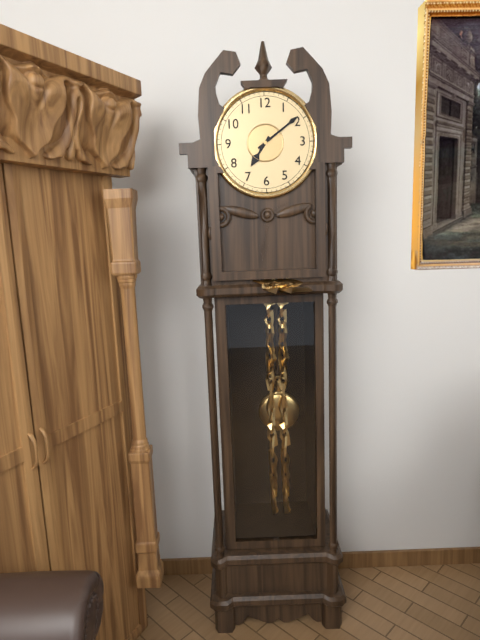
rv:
7.09
